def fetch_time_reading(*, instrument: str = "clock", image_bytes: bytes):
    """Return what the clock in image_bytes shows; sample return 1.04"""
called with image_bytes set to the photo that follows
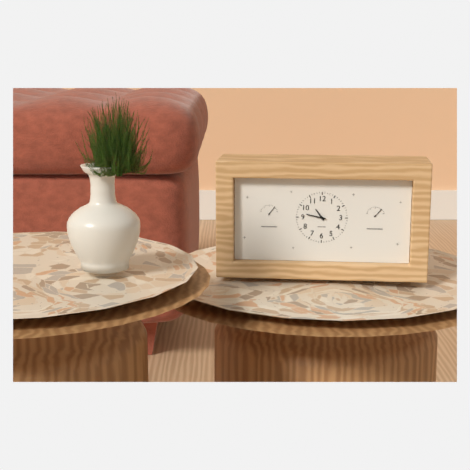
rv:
10.47
